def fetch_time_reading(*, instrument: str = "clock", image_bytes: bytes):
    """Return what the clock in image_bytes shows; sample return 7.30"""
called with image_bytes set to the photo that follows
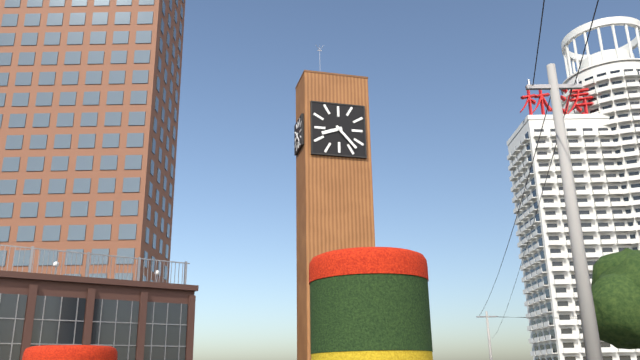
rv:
8.23
